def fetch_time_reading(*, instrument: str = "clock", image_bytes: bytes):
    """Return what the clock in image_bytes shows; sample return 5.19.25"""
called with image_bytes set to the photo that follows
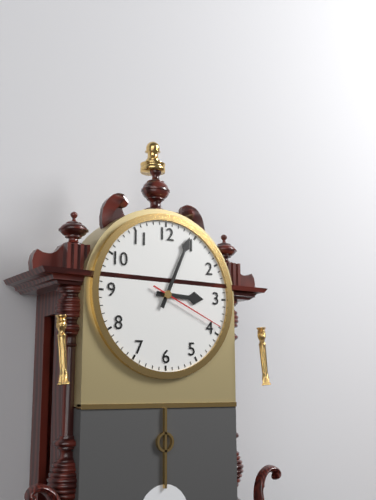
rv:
3.04.19
